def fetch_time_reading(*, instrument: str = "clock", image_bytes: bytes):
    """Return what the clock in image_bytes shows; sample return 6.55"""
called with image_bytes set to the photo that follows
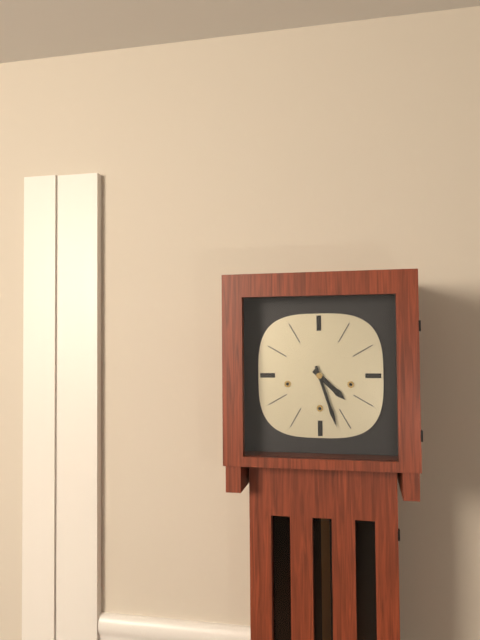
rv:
4.27
